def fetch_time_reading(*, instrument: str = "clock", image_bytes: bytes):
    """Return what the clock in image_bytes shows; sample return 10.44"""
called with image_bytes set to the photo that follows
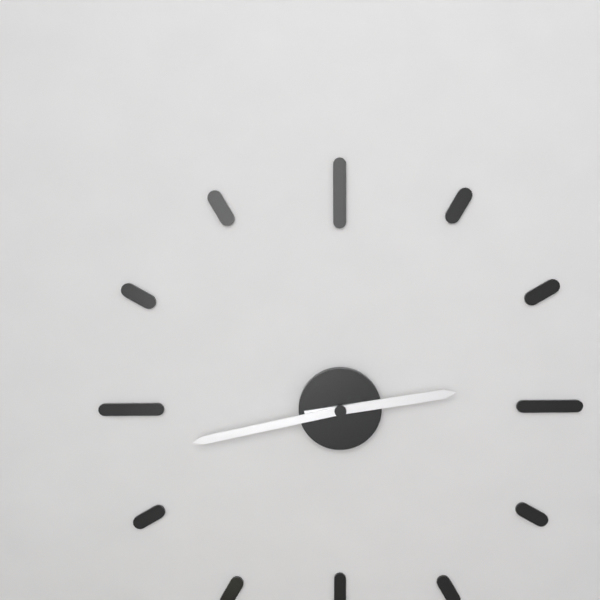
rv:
2.43
